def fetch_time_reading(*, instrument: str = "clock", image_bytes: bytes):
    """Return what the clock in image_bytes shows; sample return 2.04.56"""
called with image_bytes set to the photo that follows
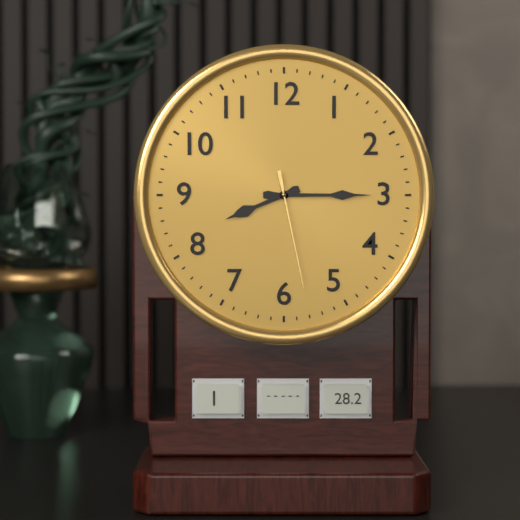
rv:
8.15.28
